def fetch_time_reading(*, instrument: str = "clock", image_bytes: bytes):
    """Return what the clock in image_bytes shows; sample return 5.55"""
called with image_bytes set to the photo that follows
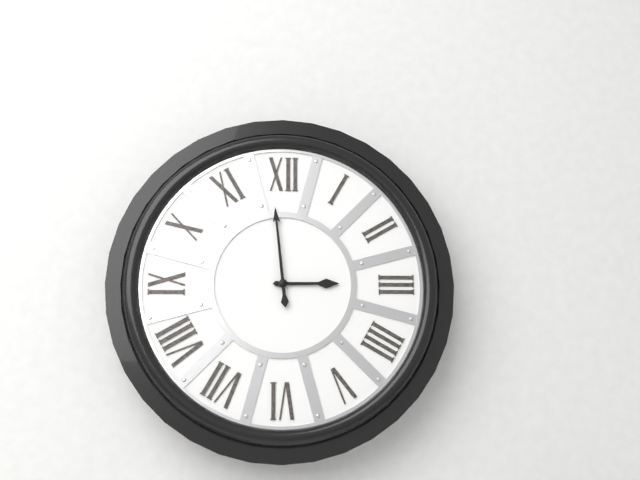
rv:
2.59
